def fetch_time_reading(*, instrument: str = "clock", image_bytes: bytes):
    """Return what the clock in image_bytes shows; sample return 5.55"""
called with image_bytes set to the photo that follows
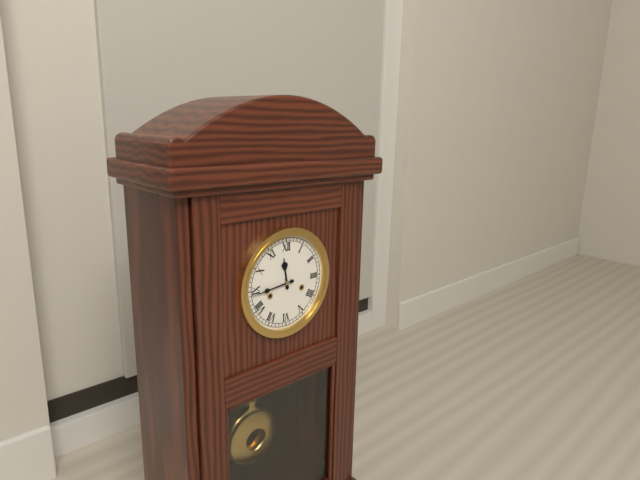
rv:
11.44
